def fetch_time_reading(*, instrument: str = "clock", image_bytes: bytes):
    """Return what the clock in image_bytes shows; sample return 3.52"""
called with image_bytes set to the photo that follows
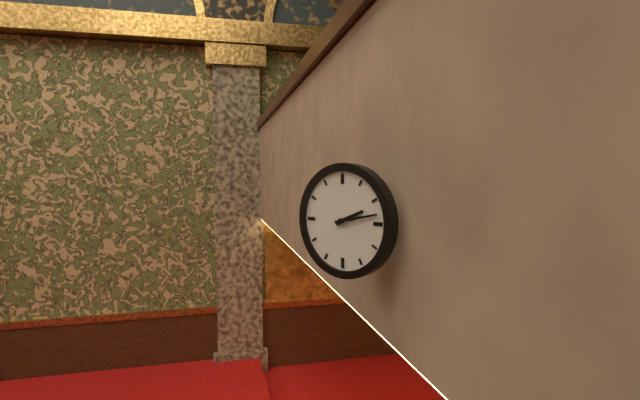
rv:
2.13
